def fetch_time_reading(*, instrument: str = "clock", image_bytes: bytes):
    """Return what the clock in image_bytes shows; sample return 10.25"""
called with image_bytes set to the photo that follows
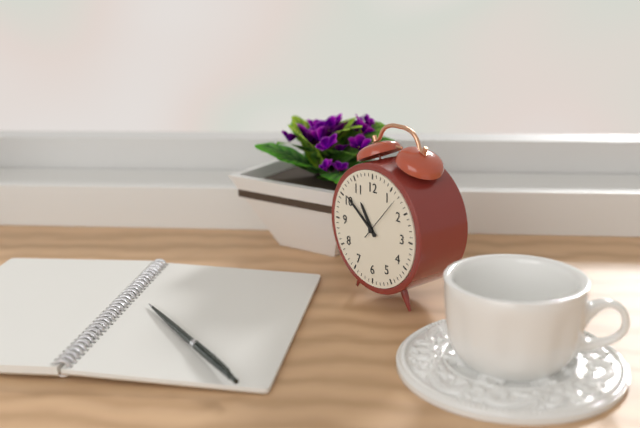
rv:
10.51
